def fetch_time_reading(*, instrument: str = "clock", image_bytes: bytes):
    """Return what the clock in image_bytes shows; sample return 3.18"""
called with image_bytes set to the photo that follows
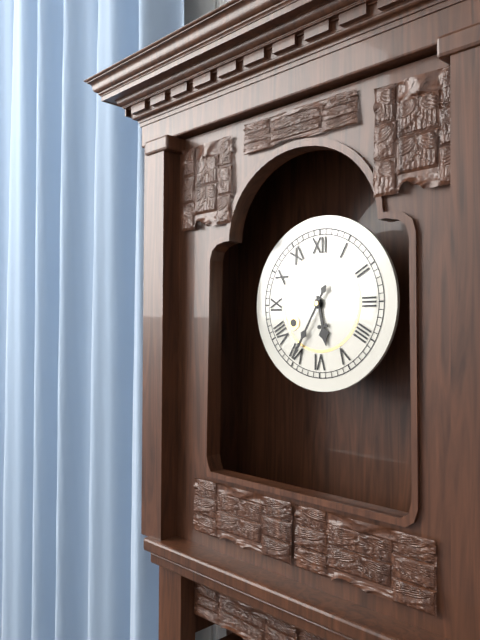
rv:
5.35
